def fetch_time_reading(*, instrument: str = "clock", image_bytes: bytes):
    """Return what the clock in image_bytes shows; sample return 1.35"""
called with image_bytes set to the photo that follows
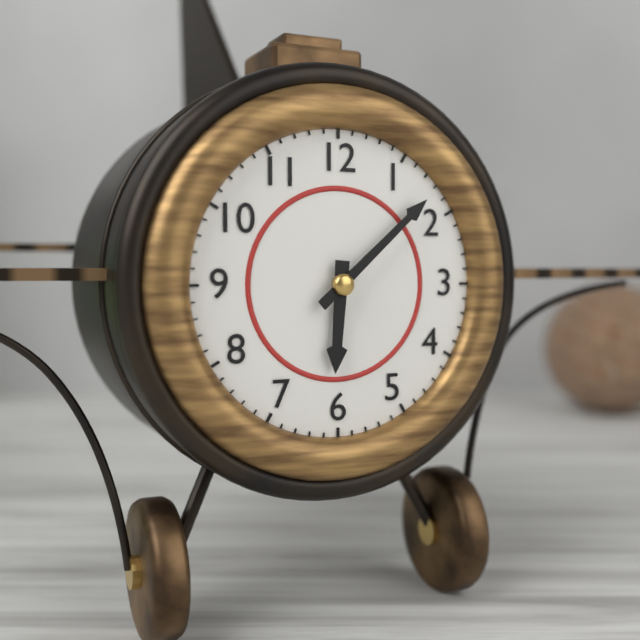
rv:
6.08
